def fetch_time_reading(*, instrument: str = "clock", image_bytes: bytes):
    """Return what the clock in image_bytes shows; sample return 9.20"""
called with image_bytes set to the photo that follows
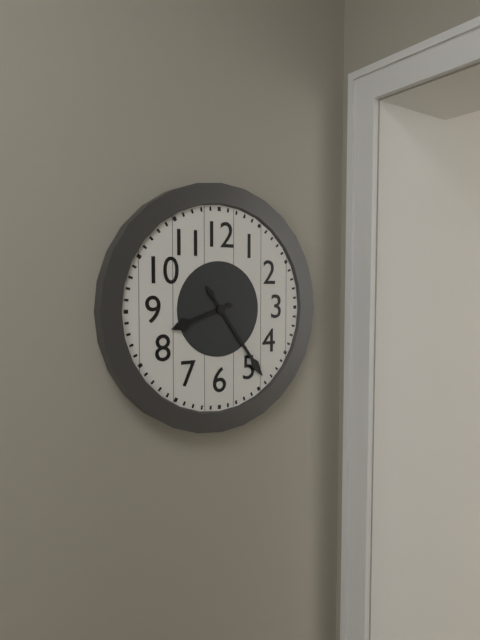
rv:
8.24
